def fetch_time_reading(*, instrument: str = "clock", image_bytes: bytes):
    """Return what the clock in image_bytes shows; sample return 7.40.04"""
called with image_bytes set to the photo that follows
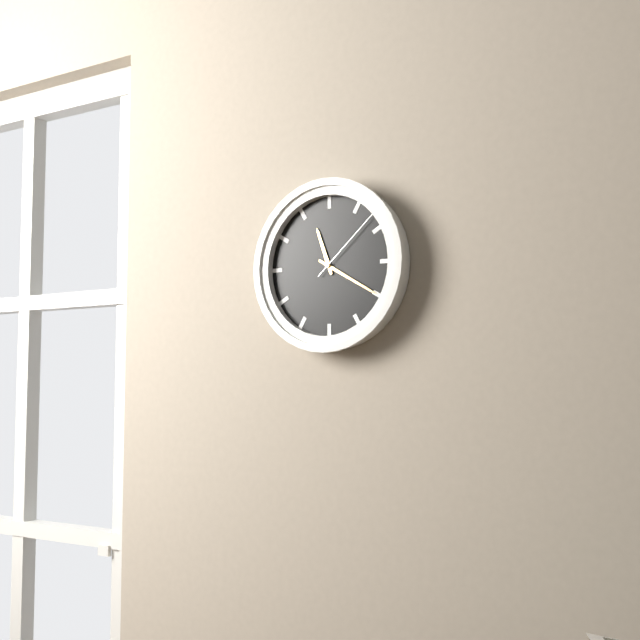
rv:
11.20.08
